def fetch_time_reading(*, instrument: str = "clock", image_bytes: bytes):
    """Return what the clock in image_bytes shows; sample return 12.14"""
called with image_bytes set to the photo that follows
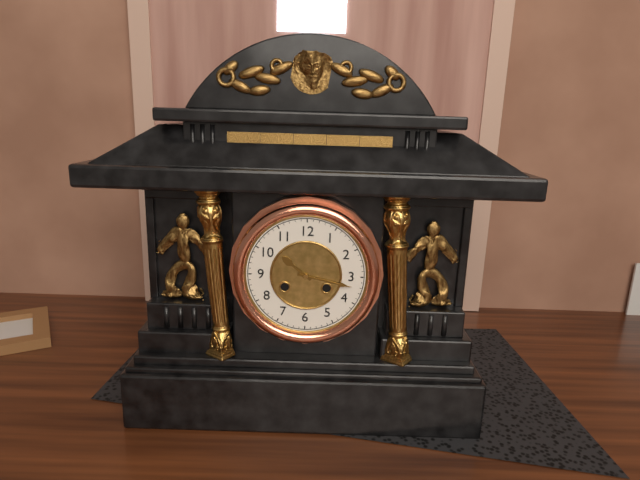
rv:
10.17
